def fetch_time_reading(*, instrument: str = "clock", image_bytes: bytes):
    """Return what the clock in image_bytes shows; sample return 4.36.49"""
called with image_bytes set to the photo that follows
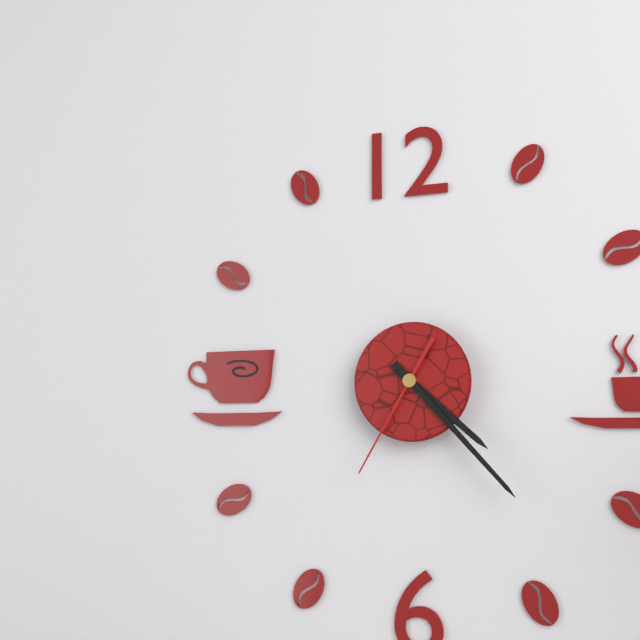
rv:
4.23.35
